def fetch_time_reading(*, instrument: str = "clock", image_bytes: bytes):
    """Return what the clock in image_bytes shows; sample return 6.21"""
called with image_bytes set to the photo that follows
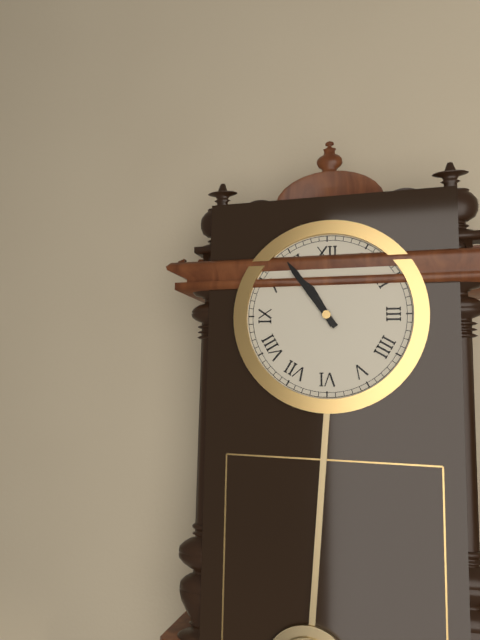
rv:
10.54
